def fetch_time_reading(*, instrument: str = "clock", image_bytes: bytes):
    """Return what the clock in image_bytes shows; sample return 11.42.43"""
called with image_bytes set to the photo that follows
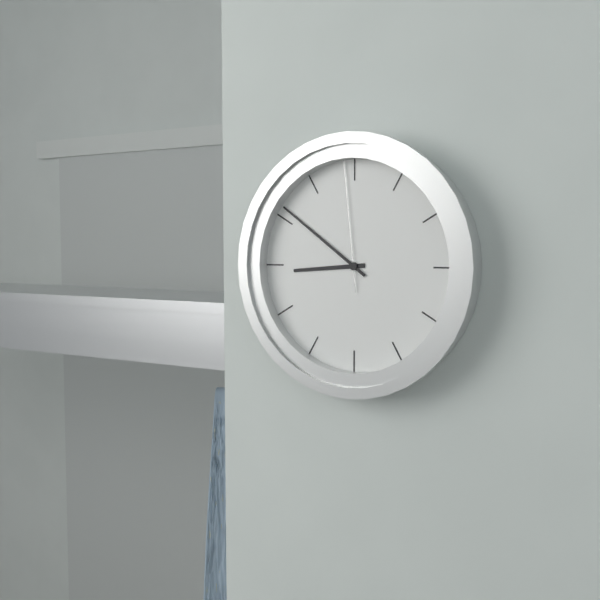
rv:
8.51.59
